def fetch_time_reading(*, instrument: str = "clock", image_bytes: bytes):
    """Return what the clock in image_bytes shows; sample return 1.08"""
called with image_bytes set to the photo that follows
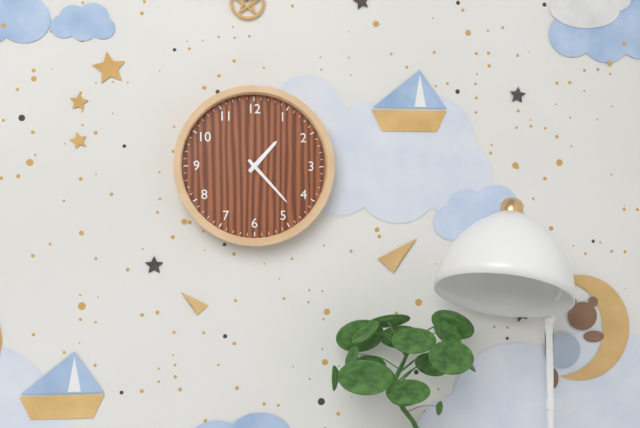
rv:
1.23
